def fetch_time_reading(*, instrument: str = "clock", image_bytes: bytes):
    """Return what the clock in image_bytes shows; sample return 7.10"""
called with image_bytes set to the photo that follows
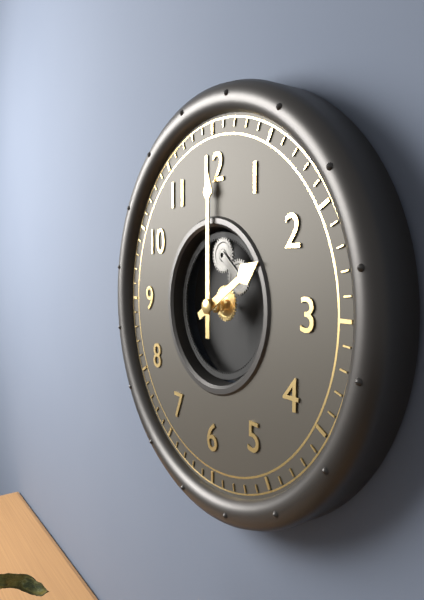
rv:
2.00
